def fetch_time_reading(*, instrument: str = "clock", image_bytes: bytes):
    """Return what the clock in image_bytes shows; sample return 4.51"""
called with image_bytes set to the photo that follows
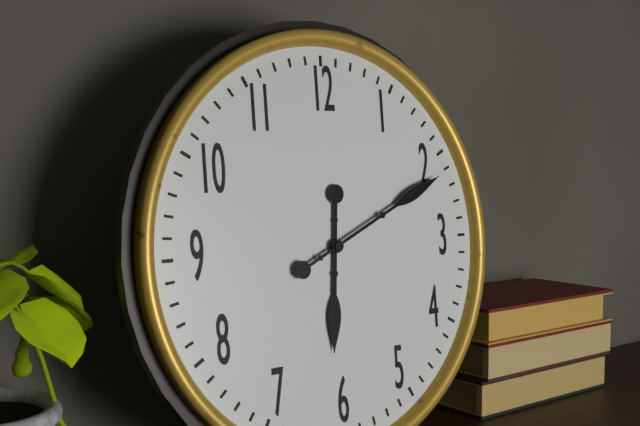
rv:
6.11
